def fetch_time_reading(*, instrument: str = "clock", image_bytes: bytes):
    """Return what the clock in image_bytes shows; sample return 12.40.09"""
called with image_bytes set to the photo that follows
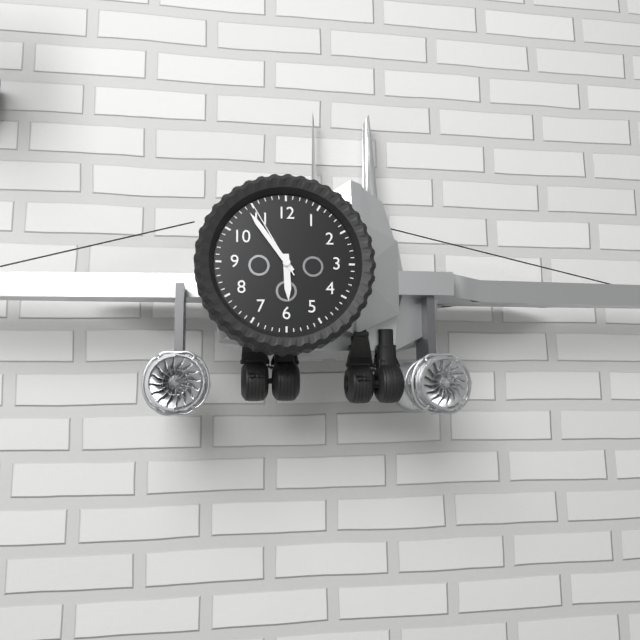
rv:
5.54.55
